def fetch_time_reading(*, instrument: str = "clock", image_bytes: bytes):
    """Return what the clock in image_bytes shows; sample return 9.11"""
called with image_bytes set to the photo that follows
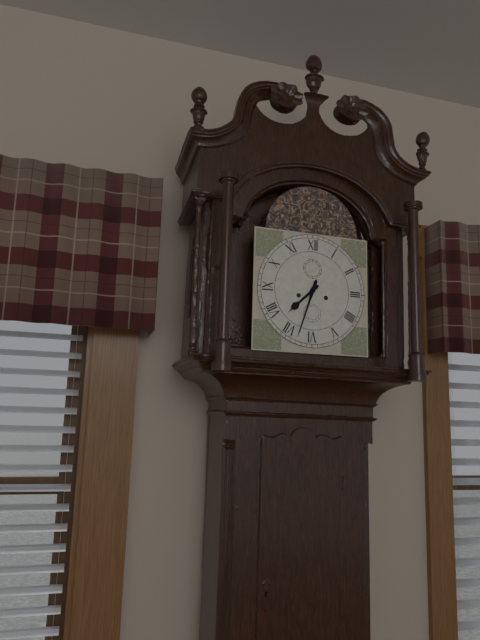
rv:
7.33
